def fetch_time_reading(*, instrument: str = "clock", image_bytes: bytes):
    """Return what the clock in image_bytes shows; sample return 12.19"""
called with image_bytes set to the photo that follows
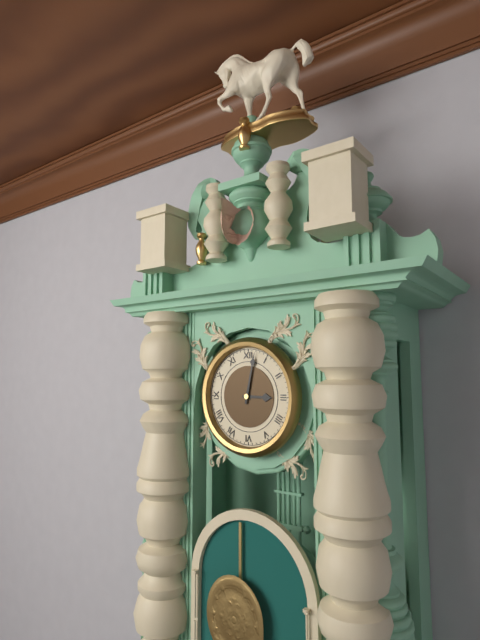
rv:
3.02
